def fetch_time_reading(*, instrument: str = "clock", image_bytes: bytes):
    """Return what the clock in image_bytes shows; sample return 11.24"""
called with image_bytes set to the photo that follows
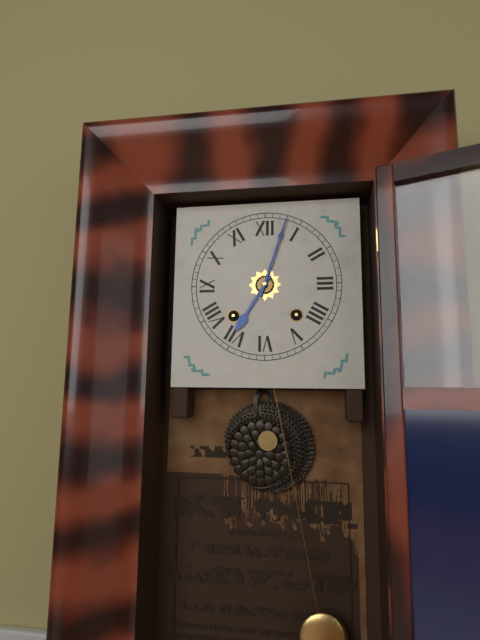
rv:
7.03
